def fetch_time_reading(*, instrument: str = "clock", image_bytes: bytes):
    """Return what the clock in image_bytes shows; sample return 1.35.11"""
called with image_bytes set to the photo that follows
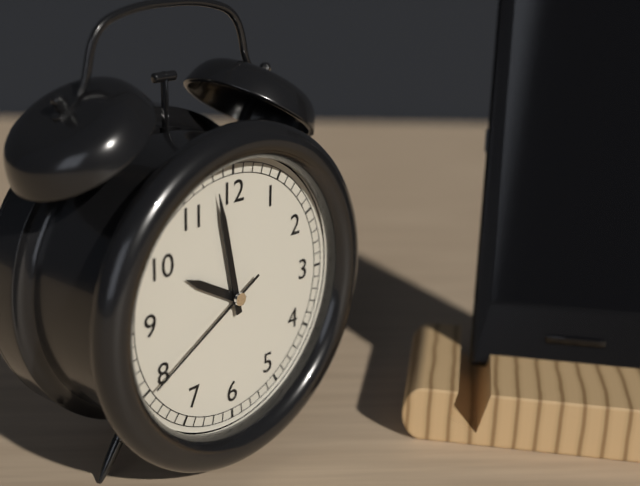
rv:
9.58.40
